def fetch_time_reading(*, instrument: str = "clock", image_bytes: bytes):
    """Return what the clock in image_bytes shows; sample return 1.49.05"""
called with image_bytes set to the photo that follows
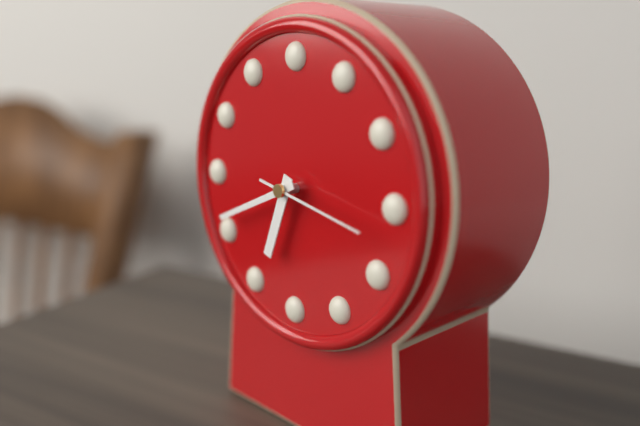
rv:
6.41.17
